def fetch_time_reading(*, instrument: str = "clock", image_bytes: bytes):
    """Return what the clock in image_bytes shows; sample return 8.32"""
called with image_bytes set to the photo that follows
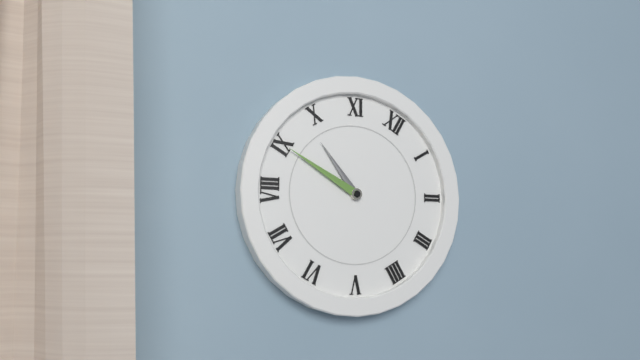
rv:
9.45
